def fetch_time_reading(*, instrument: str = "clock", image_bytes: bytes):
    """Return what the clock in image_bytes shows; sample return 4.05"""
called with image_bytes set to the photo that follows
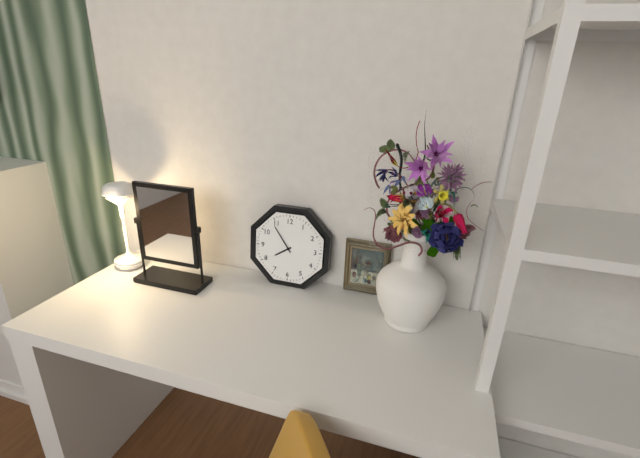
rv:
7.54
